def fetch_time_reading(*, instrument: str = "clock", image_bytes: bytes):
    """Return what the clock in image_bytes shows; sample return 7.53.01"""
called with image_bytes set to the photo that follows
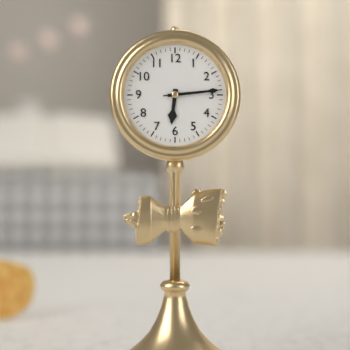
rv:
6.14.14
